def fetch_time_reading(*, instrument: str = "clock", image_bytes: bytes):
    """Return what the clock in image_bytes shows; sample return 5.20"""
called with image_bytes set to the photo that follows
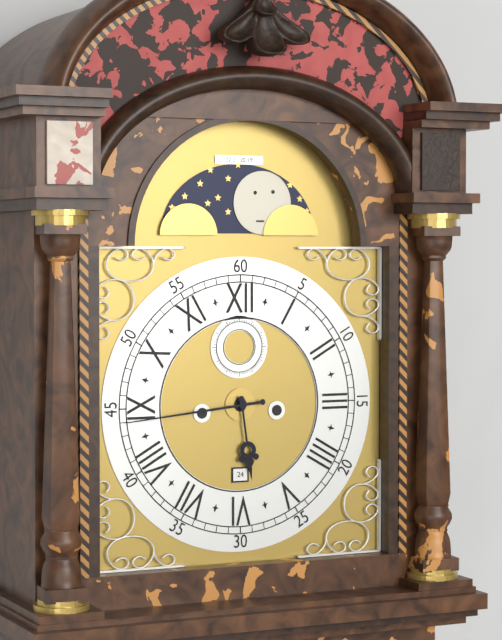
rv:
5.44
